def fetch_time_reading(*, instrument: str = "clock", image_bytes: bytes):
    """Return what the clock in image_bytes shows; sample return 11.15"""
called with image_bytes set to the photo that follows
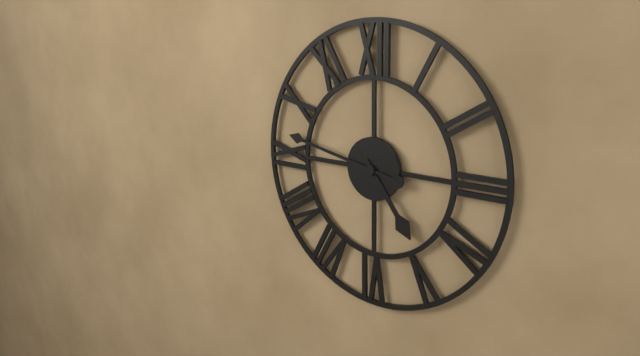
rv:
4.47
